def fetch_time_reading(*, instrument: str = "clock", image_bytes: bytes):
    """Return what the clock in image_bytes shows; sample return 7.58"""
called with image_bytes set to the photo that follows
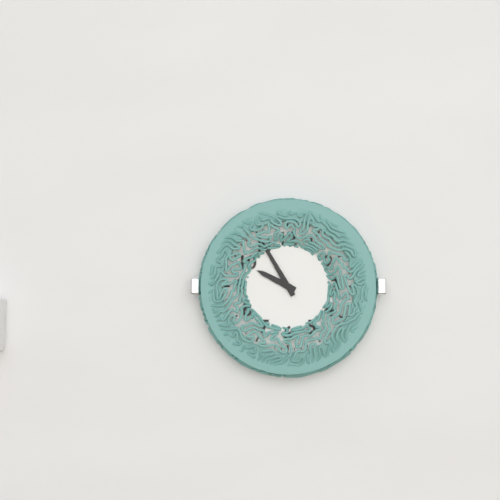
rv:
9.55
